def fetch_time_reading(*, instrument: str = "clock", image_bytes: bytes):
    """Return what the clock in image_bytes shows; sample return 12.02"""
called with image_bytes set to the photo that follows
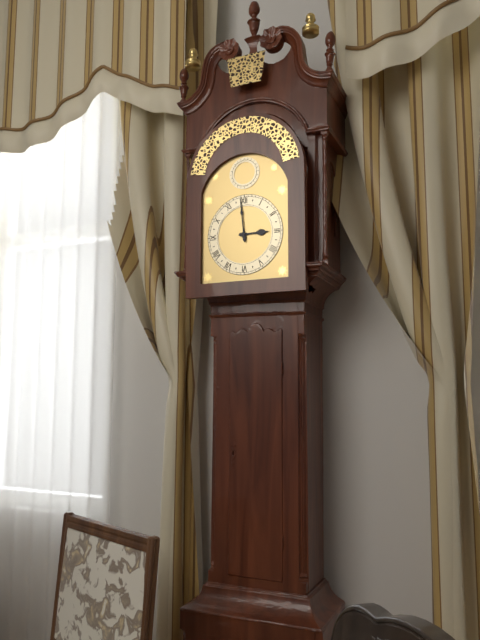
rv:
2.59
